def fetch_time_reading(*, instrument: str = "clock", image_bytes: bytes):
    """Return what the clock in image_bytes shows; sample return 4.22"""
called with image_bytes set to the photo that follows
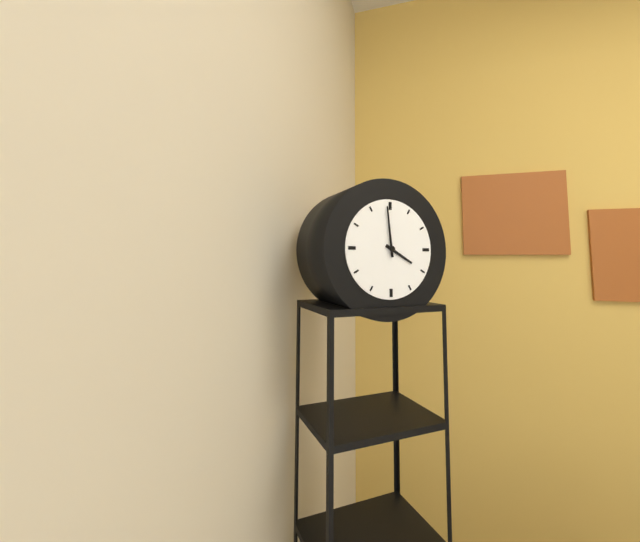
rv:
3.59
